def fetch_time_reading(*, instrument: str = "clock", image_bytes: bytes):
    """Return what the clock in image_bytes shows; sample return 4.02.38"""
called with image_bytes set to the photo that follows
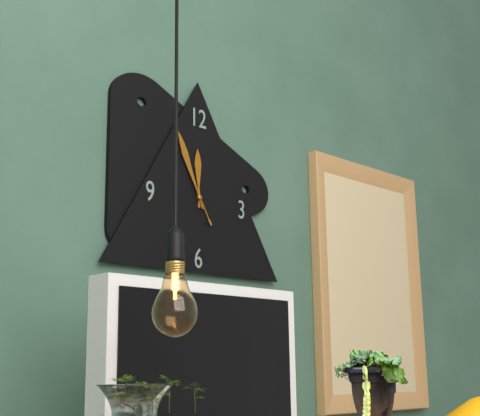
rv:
11.56.55
